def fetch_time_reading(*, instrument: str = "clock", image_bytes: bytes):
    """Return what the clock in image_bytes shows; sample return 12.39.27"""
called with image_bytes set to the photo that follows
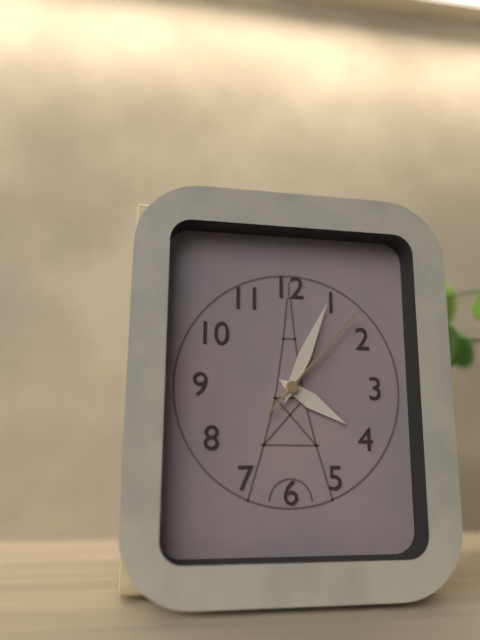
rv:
4.04.07
